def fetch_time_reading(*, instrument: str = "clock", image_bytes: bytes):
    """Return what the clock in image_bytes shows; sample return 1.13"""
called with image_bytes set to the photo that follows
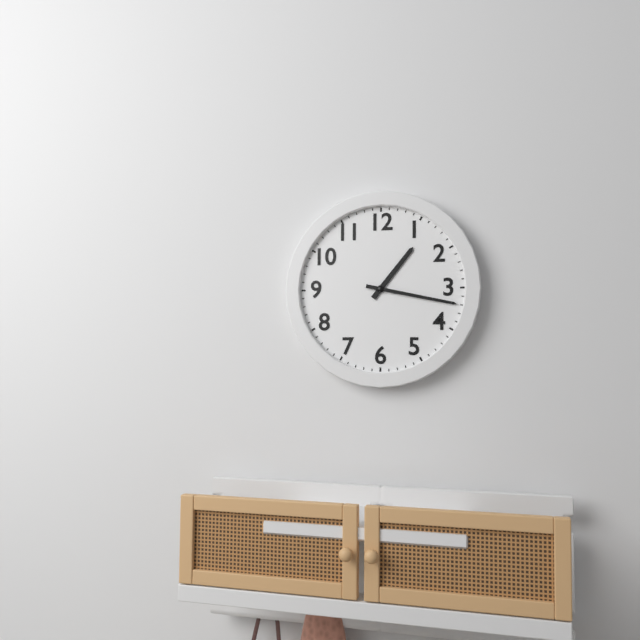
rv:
1.17
